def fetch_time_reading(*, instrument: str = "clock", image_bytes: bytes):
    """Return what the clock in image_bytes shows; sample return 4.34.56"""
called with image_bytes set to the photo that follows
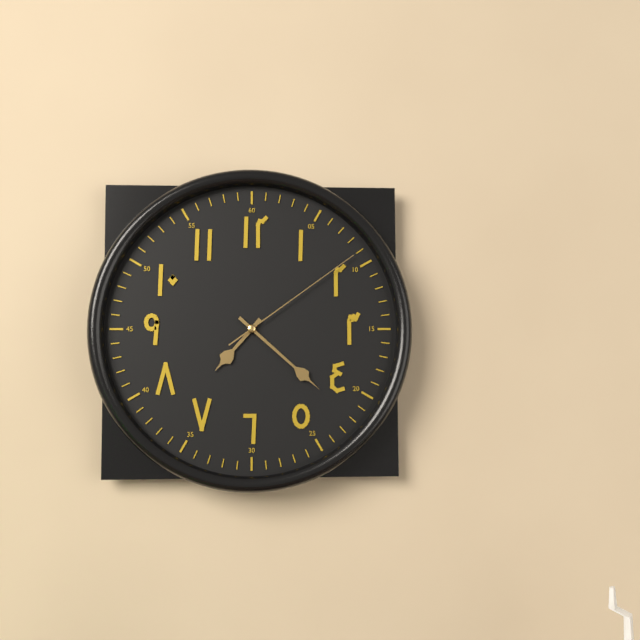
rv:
7.22.09
